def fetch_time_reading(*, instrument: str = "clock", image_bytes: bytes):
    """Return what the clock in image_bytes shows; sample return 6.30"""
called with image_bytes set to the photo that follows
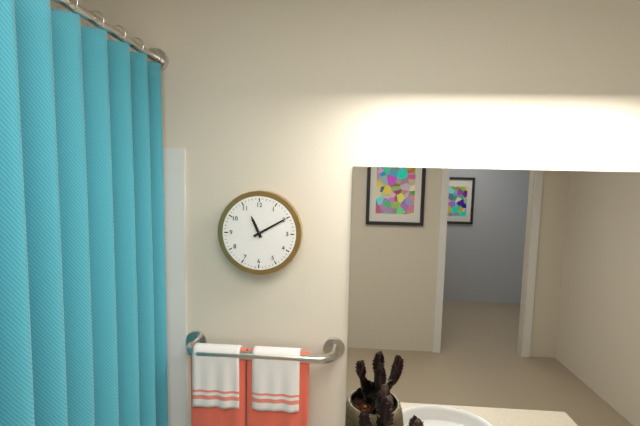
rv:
11.10
